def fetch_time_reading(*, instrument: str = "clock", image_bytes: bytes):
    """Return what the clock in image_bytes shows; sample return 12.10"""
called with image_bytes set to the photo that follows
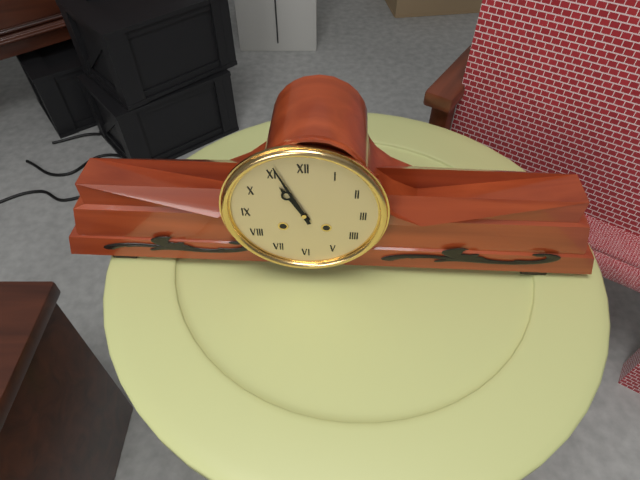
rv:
10.56
